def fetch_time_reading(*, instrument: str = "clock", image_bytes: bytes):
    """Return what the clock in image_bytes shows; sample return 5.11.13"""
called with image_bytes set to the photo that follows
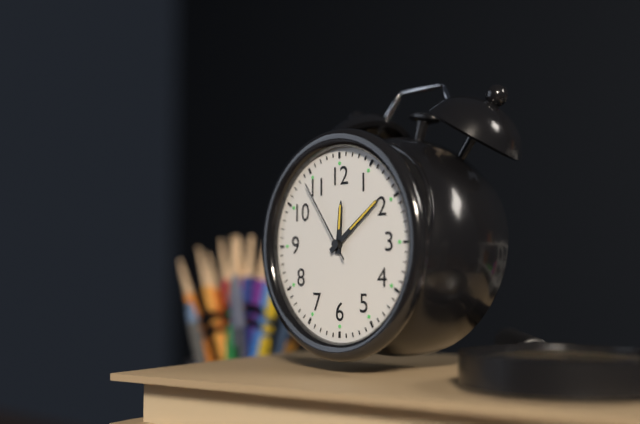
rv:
12.09.54
